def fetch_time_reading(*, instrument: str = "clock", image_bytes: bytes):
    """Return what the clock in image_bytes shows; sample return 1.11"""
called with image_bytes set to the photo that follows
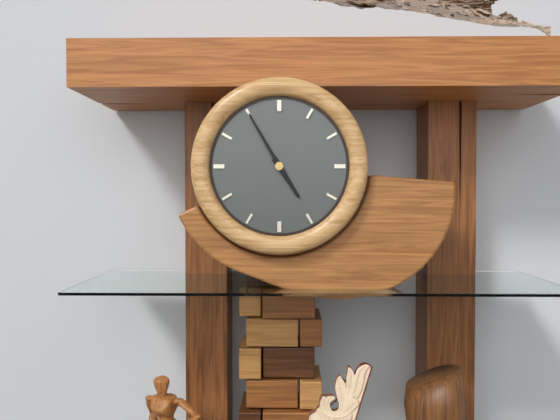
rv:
4.55
